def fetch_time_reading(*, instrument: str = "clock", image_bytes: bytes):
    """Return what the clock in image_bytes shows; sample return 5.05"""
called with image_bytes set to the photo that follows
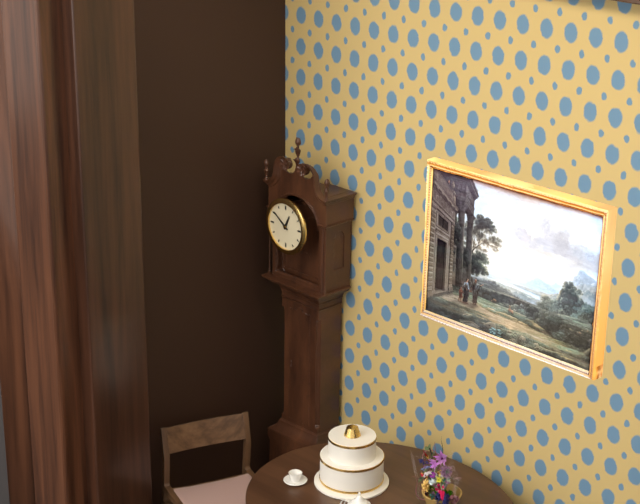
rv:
12.51
